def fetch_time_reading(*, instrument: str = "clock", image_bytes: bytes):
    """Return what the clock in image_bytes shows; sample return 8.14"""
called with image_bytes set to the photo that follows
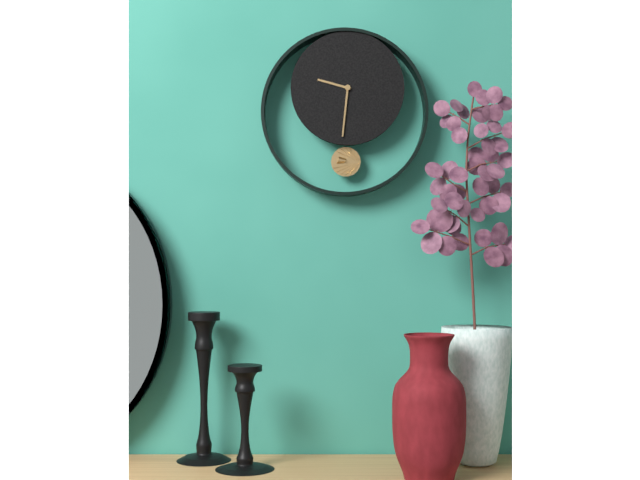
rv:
9.31
